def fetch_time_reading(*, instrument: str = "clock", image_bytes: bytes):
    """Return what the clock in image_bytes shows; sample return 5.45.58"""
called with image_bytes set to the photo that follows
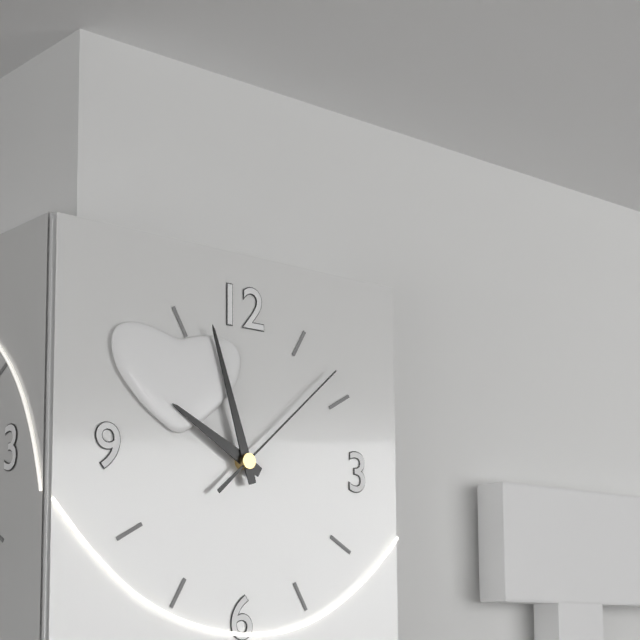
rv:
9.57.08
